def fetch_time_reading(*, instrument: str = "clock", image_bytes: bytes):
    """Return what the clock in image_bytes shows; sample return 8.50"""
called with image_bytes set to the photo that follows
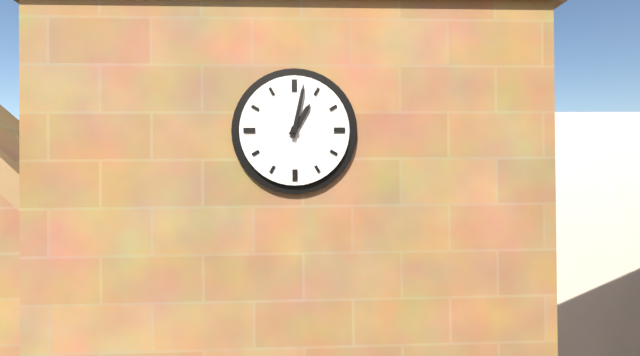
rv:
1.02
